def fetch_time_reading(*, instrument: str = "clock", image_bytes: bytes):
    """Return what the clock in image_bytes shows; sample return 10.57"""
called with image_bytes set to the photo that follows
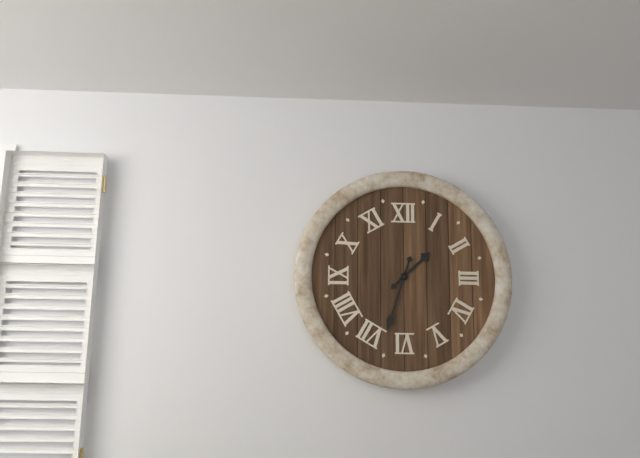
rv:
1.33
